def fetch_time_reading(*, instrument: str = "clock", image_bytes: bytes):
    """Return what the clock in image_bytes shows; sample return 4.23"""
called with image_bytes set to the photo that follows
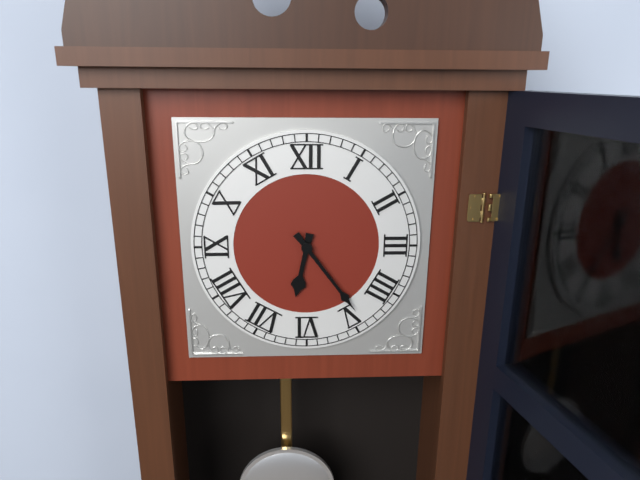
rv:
6.24
